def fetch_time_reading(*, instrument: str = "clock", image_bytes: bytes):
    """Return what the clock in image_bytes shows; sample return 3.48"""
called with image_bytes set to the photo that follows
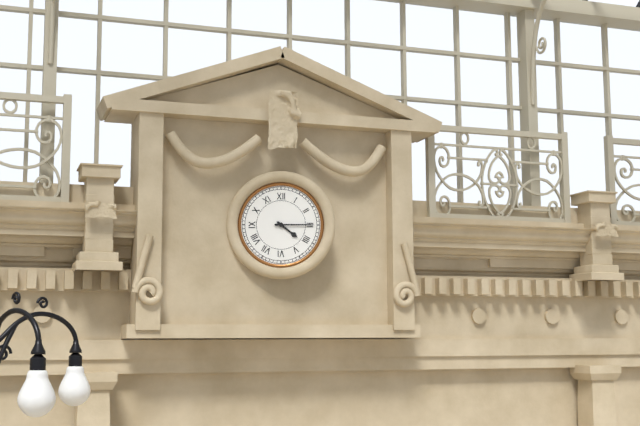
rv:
4.15
